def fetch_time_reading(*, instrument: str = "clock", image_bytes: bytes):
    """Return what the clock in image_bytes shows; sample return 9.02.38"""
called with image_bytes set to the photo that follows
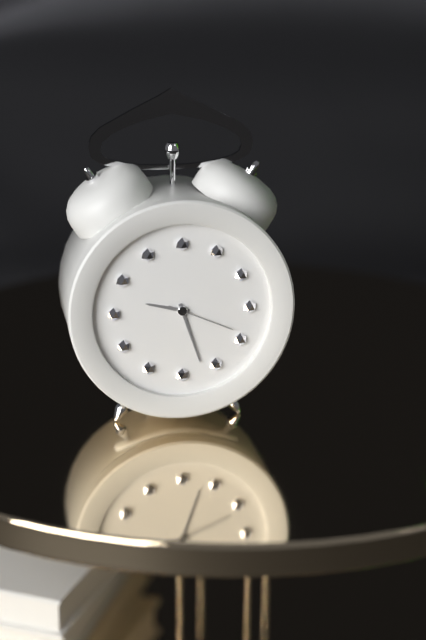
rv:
9.27.19
